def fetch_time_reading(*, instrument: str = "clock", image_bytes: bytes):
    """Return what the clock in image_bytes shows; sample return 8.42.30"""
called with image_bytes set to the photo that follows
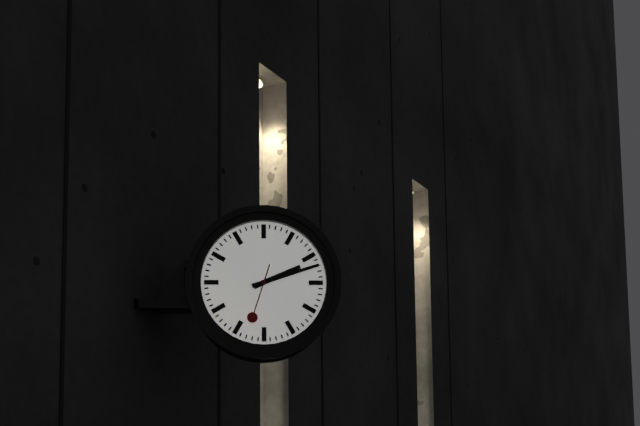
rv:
2.12.33
